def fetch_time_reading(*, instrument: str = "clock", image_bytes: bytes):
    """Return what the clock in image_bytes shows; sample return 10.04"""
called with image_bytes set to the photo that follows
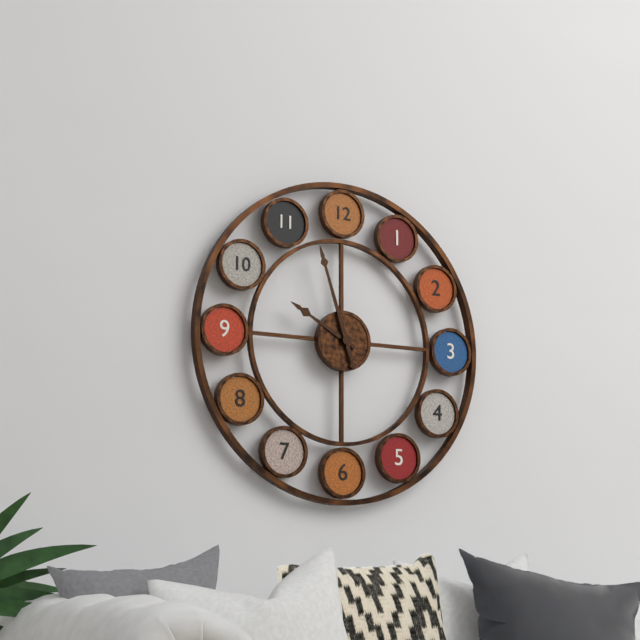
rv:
9.57
